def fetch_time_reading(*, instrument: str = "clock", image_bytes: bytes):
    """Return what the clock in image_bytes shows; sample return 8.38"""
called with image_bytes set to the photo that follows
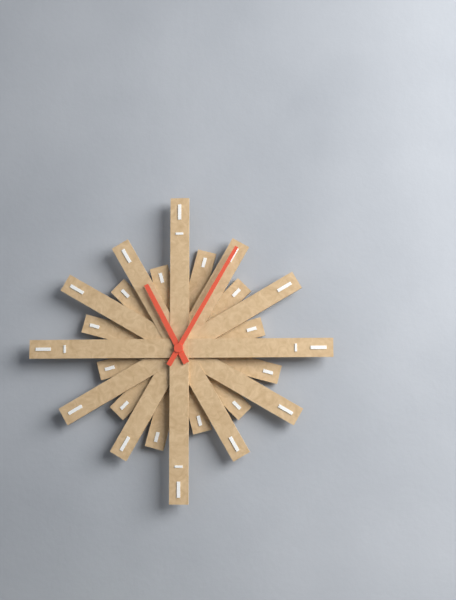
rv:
11.05
